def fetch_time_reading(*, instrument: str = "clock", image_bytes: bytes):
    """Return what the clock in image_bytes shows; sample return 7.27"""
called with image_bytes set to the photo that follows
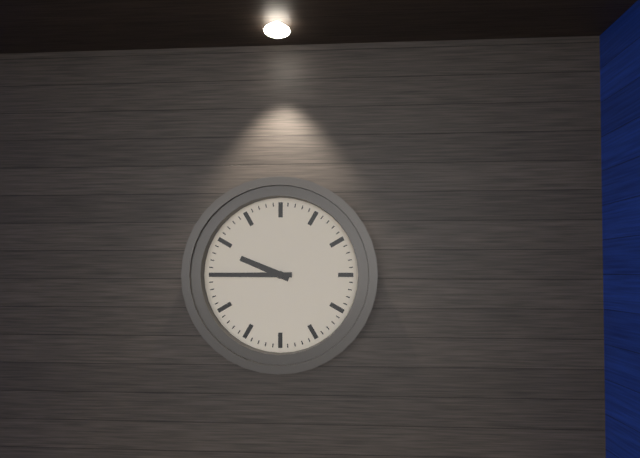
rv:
9.45
